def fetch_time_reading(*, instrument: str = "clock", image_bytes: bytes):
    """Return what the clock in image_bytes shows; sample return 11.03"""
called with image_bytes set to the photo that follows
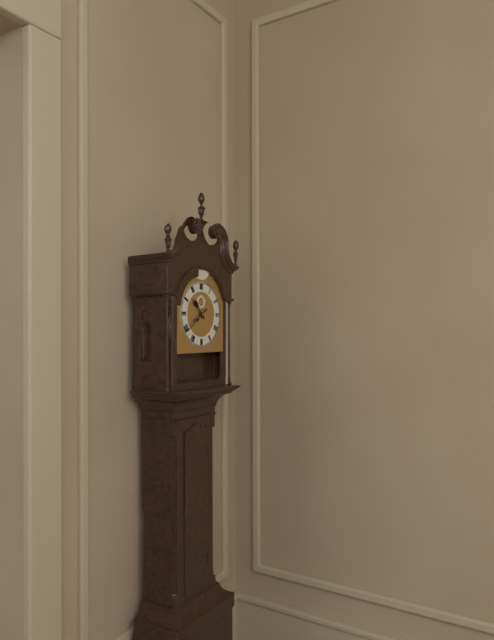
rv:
10.39
